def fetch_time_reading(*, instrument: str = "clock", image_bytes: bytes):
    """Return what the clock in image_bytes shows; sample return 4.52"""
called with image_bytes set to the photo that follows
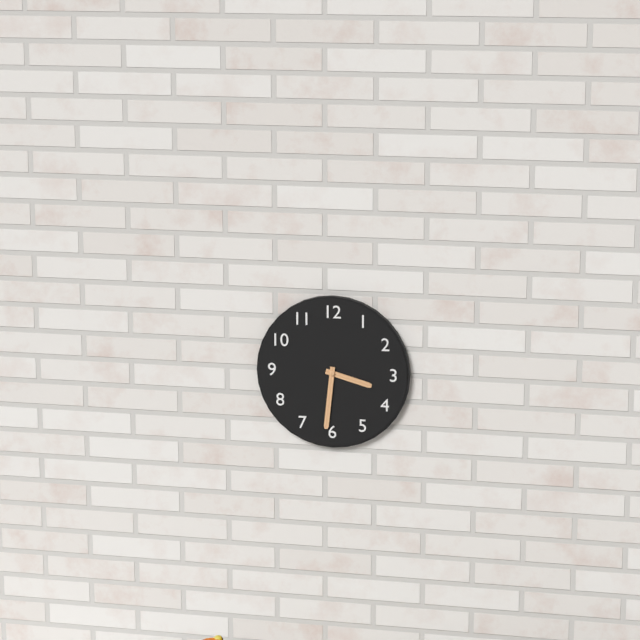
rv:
3.31
